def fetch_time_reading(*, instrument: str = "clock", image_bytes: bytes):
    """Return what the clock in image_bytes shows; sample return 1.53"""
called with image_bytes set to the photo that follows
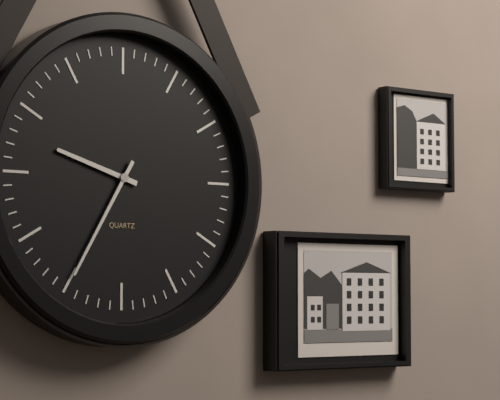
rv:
9.35
